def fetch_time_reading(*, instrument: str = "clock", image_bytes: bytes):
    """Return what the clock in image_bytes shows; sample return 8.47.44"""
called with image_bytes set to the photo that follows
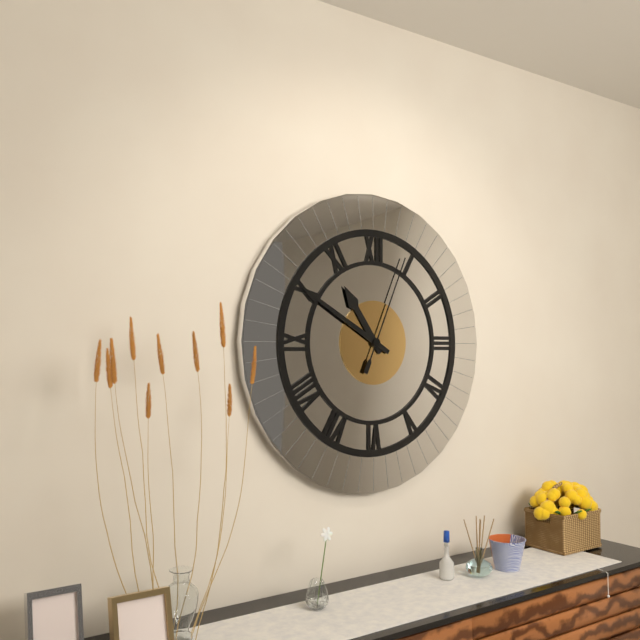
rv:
10.50.04
